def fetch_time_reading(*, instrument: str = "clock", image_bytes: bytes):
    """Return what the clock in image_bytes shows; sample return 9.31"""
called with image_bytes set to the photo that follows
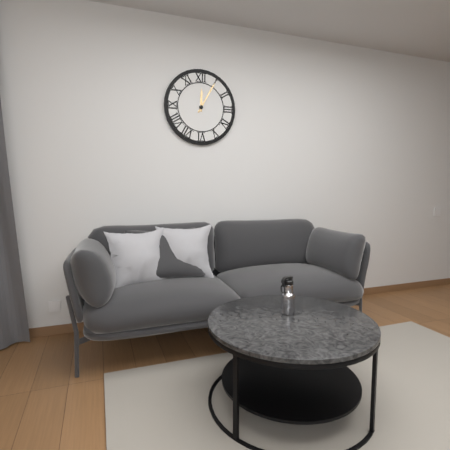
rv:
12.05
